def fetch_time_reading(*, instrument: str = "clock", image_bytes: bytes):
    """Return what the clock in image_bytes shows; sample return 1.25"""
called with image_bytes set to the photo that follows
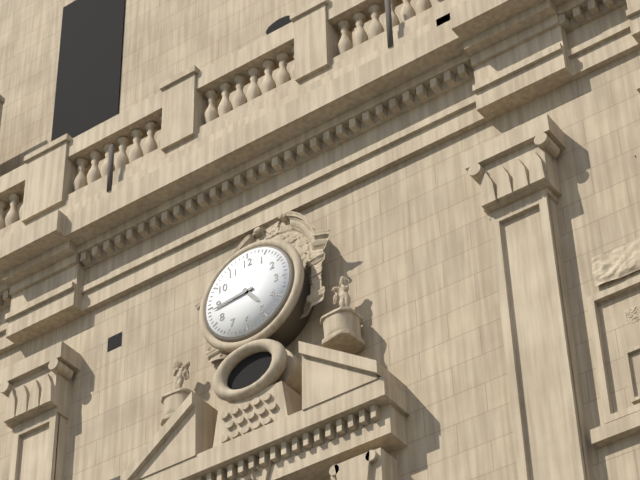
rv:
4.44
